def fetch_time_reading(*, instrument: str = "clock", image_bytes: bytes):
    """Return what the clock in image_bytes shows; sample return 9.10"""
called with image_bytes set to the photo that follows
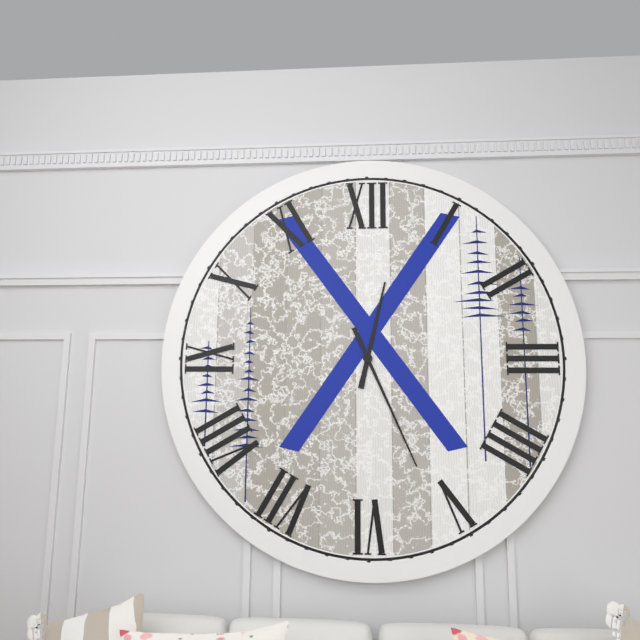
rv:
12.26
